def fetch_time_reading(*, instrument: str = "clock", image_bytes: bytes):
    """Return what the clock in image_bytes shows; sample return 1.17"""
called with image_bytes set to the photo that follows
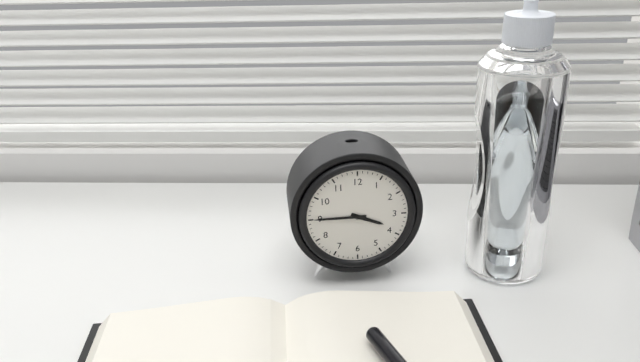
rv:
3.45
